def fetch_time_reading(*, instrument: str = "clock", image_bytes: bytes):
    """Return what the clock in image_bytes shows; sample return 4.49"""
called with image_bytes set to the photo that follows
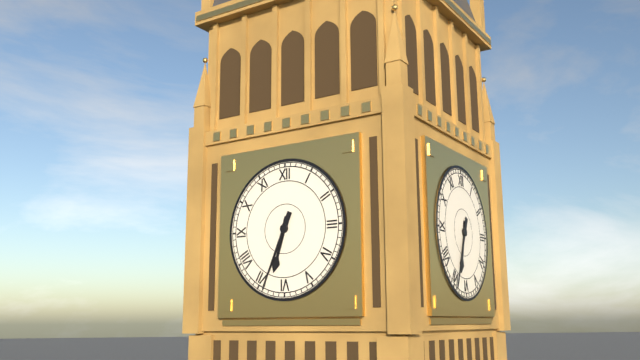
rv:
6.34
